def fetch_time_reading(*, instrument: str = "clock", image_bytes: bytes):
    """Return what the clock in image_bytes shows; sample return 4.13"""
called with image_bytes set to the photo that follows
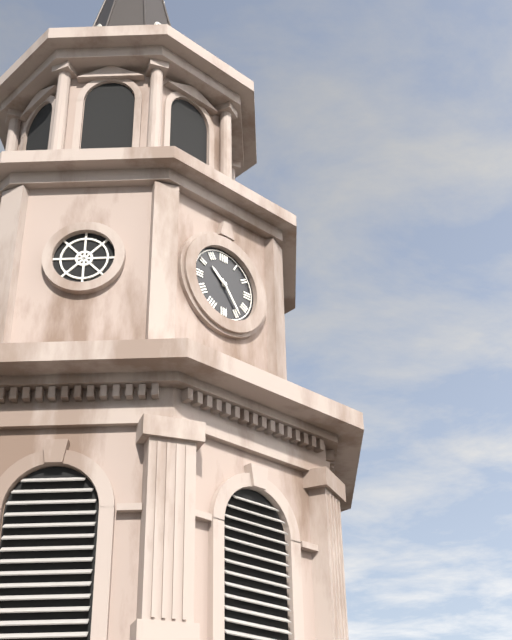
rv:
10.24
